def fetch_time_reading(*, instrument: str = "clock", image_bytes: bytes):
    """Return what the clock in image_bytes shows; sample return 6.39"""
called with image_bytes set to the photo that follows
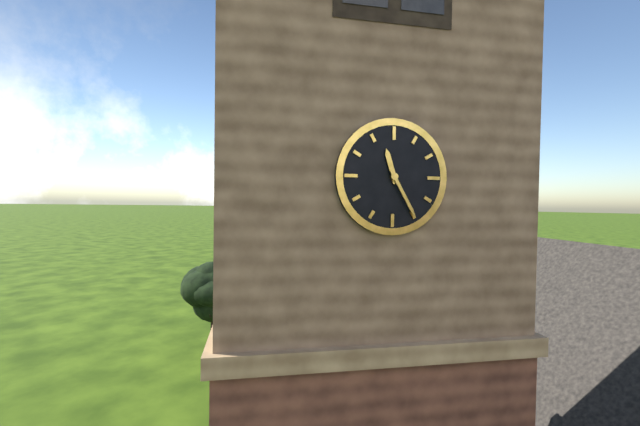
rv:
11.25
